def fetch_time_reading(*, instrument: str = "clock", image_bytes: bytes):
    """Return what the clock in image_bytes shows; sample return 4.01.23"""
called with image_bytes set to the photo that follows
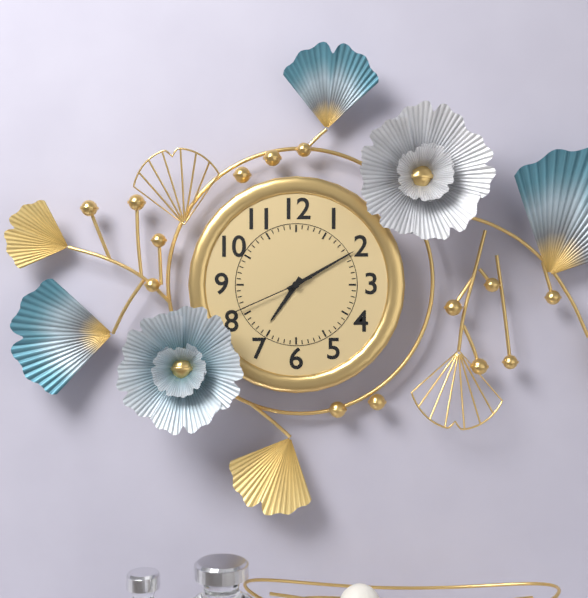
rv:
7.10.41
